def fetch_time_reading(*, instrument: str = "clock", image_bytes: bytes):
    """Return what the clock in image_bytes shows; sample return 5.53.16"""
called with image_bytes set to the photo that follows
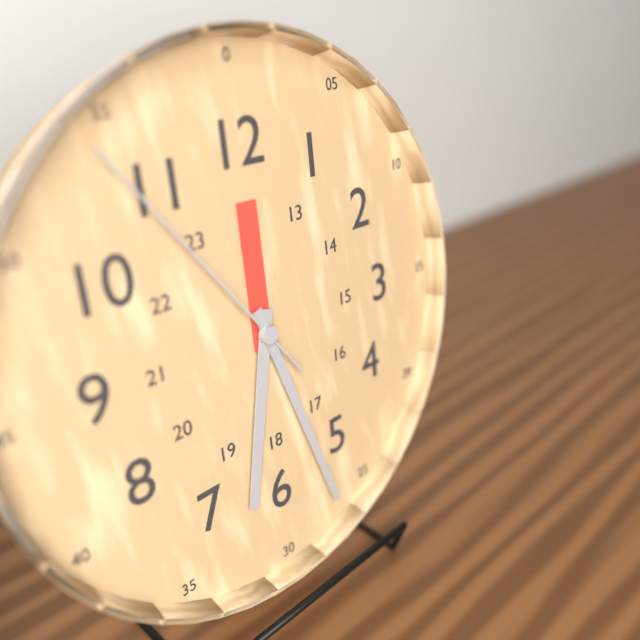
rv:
6.27.54
